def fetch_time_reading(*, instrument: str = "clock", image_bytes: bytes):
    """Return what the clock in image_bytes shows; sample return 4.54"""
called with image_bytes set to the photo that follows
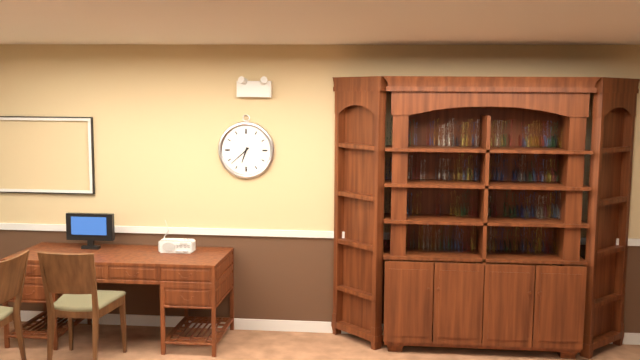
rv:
6.38
